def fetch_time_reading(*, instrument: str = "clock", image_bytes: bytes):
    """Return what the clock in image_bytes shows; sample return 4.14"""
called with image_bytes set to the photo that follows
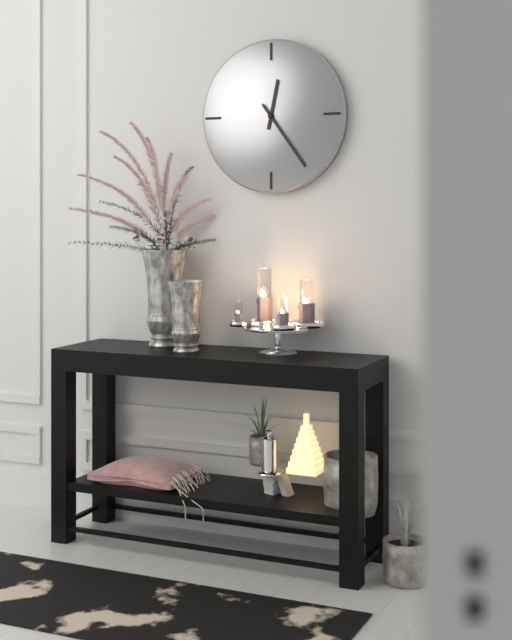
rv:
12.24
